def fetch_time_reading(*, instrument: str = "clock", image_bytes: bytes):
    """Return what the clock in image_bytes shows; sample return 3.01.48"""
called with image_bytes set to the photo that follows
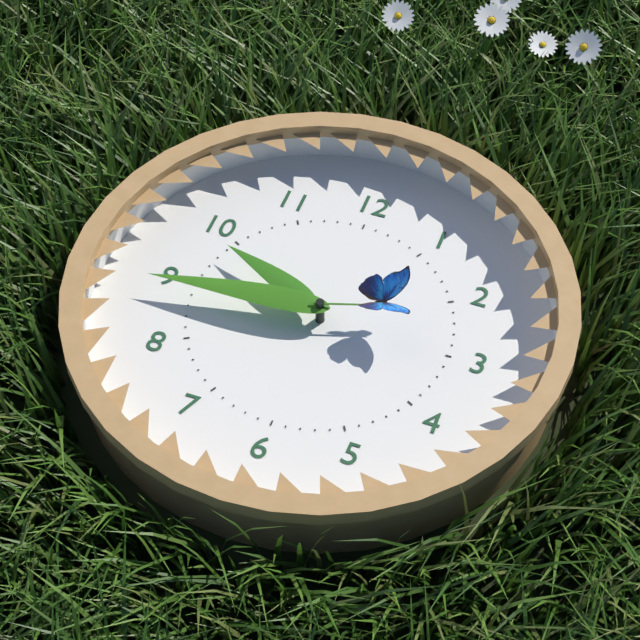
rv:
9.44.12
